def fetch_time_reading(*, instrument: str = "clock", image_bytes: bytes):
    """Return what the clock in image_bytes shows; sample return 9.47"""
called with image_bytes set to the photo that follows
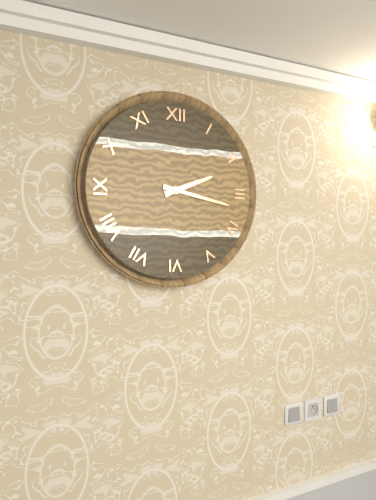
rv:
2.17
